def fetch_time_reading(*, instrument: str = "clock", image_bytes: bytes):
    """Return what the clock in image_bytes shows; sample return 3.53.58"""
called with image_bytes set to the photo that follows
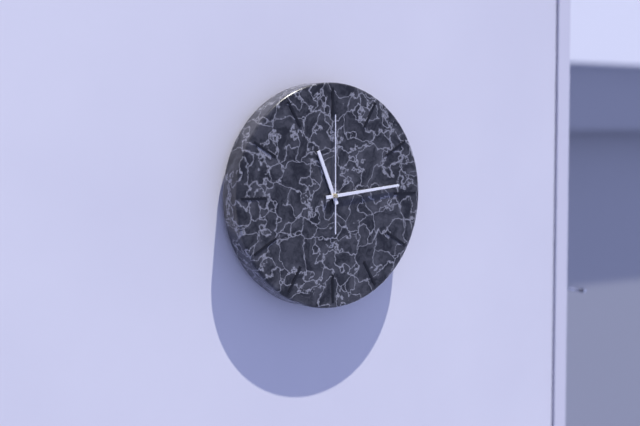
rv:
11.14.00
